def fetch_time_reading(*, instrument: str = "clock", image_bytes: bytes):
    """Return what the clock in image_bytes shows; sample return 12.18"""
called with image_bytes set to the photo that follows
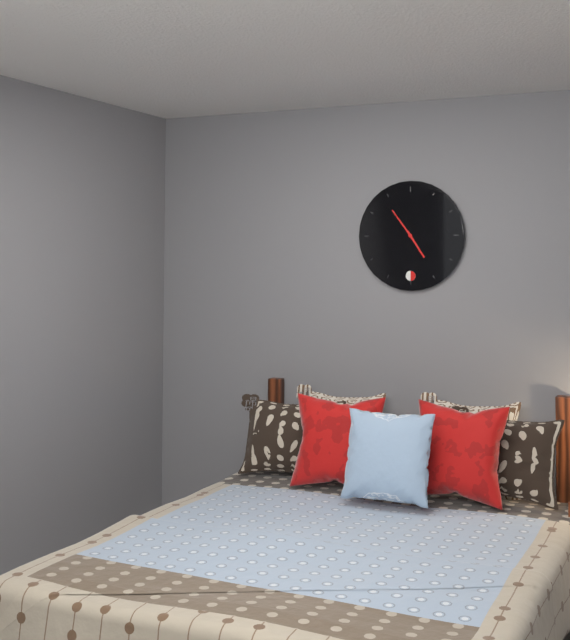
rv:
4.54
